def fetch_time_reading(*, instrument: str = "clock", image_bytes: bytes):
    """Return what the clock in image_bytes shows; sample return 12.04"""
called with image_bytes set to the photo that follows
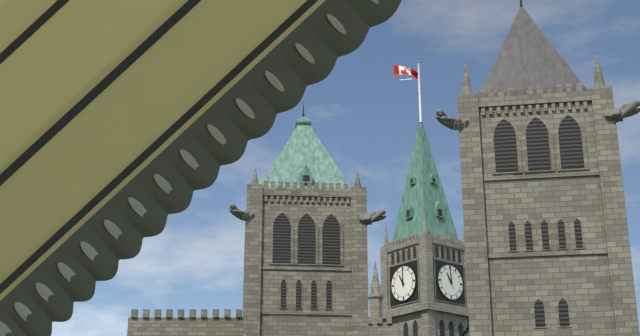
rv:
11.00
